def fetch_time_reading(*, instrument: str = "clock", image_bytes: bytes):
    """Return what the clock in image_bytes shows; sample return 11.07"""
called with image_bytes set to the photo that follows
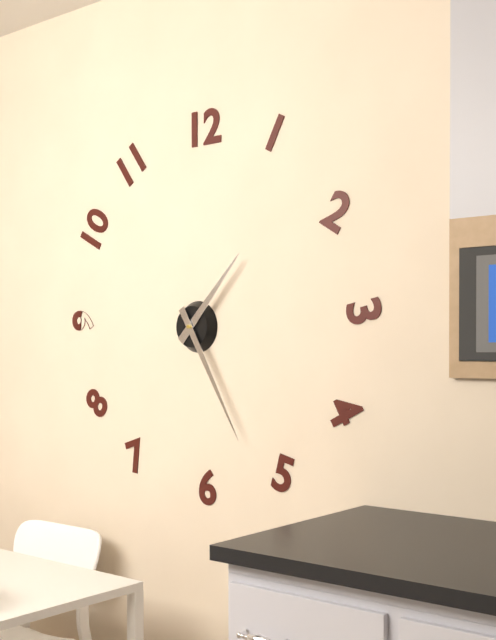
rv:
1.25
